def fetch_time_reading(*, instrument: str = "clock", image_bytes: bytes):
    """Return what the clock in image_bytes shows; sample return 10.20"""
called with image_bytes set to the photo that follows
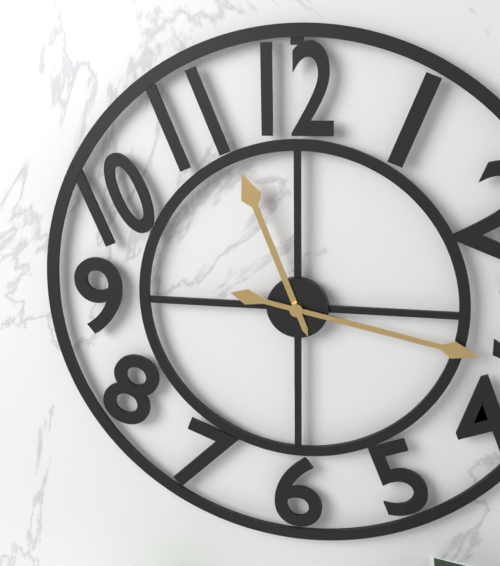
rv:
11.17
